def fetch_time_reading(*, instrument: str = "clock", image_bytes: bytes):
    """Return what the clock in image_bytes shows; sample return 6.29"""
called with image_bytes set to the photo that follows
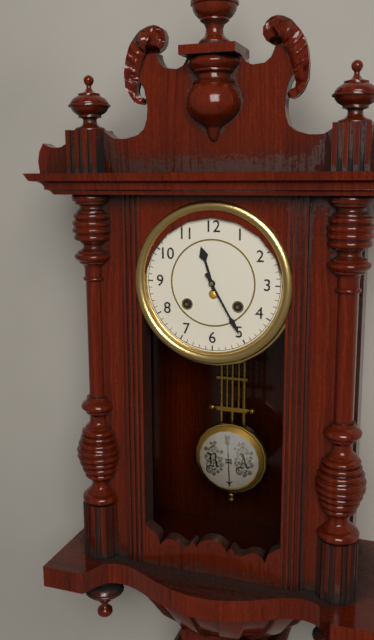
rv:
11.25
